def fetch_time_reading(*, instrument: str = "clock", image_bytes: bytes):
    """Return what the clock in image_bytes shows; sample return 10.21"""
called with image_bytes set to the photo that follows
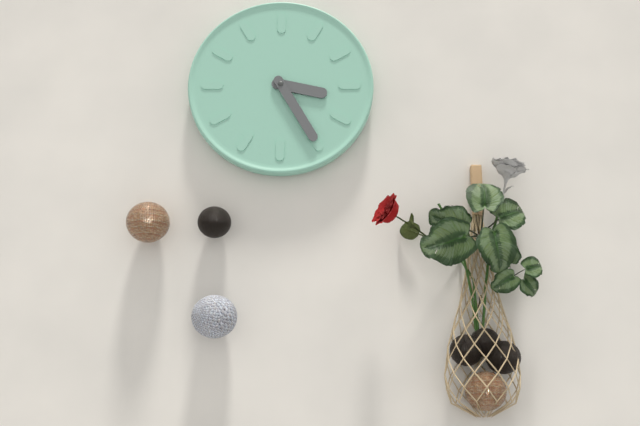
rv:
3.25
